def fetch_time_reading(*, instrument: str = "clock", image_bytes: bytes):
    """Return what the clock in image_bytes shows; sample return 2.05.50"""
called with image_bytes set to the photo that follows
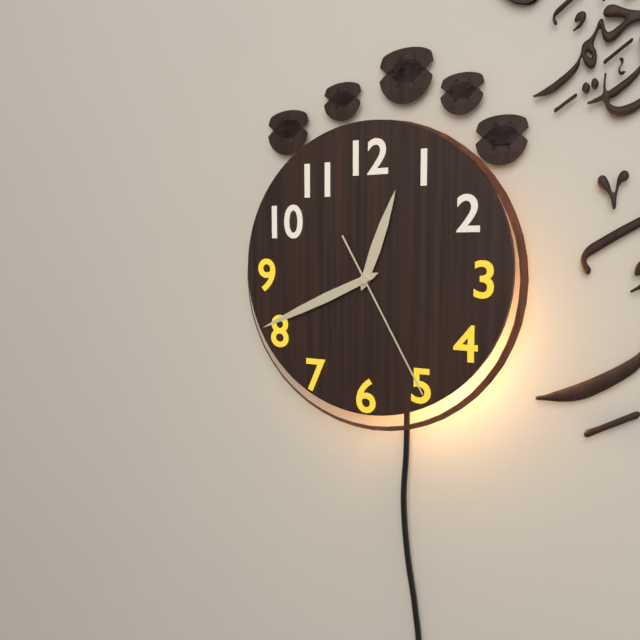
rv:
12.41.25
